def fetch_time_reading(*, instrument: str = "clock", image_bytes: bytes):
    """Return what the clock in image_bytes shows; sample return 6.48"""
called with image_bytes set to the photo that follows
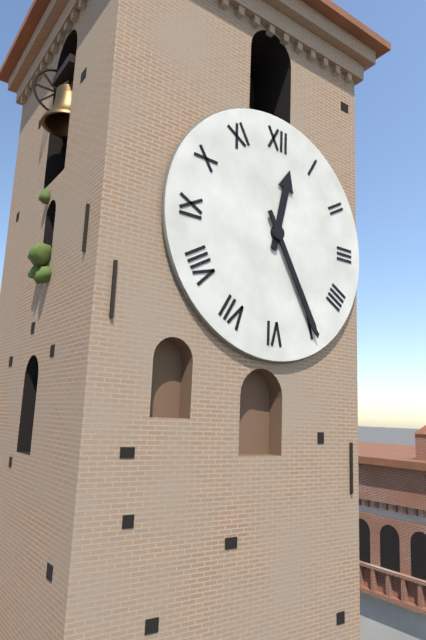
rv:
12.25
